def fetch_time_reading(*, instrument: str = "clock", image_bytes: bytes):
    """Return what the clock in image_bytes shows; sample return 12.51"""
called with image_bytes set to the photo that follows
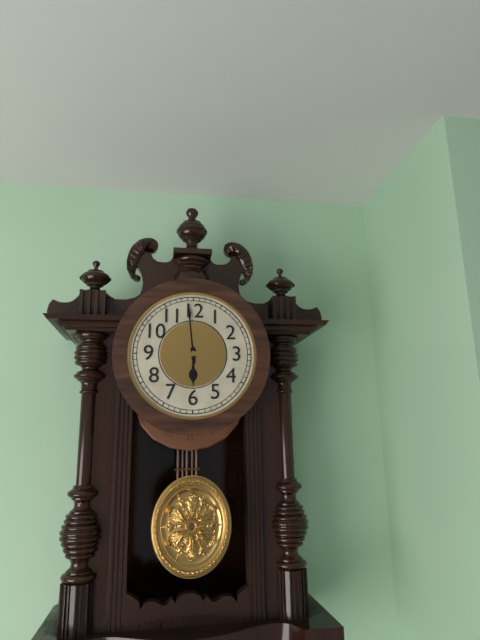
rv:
5.59
